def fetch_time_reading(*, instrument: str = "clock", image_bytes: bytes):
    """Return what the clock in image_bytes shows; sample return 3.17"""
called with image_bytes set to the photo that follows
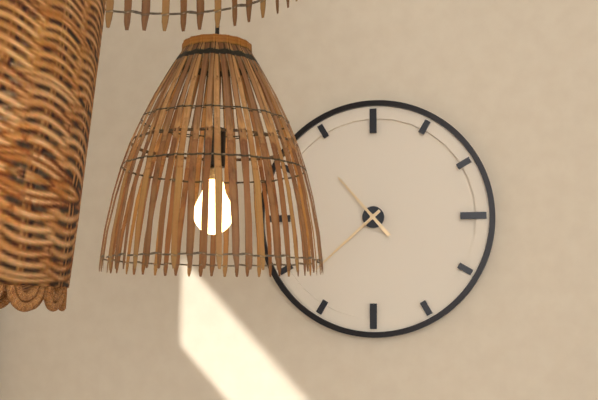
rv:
10.38
